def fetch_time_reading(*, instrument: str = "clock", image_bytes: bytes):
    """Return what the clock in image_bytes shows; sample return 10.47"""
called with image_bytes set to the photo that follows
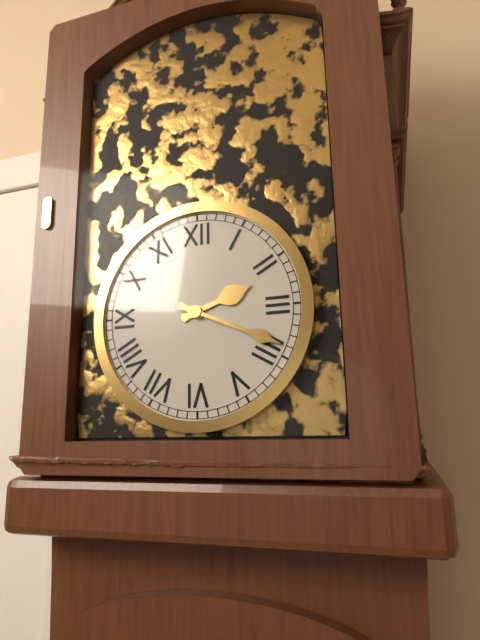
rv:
2.19
